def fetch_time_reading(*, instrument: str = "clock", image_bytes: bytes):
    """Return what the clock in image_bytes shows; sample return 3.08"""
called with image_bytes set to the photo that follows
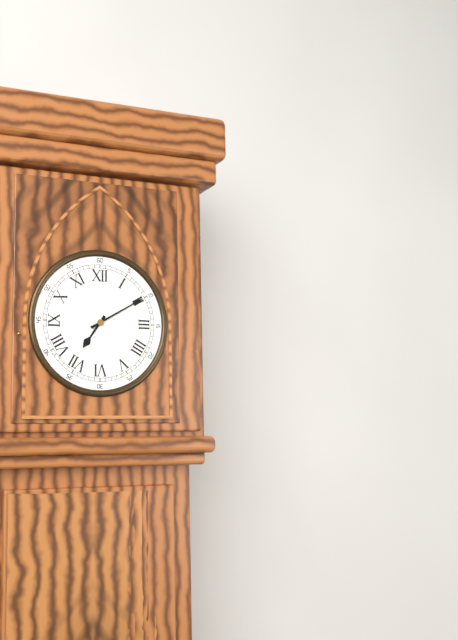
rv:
7.10
